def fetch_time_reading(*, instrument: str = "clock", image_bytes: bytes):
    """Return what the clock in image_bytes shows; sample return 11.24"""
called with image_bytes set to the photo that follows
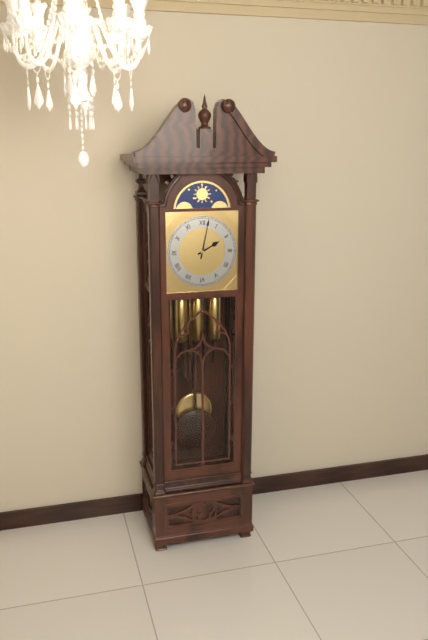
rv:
2.02
